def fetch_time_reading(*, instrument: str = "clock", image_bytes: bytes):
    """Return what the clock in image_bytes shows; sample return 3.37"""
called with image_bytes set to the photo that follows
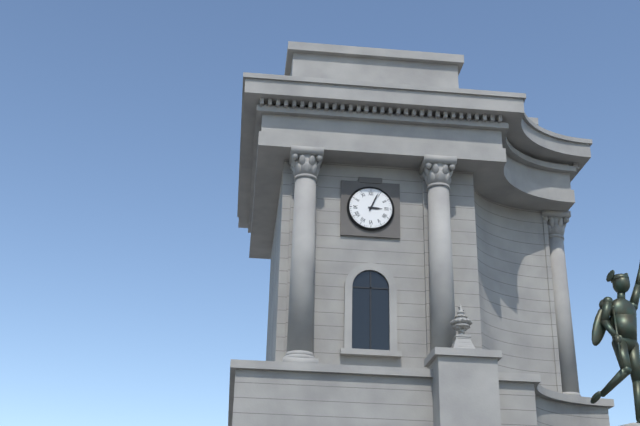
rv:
3.04
